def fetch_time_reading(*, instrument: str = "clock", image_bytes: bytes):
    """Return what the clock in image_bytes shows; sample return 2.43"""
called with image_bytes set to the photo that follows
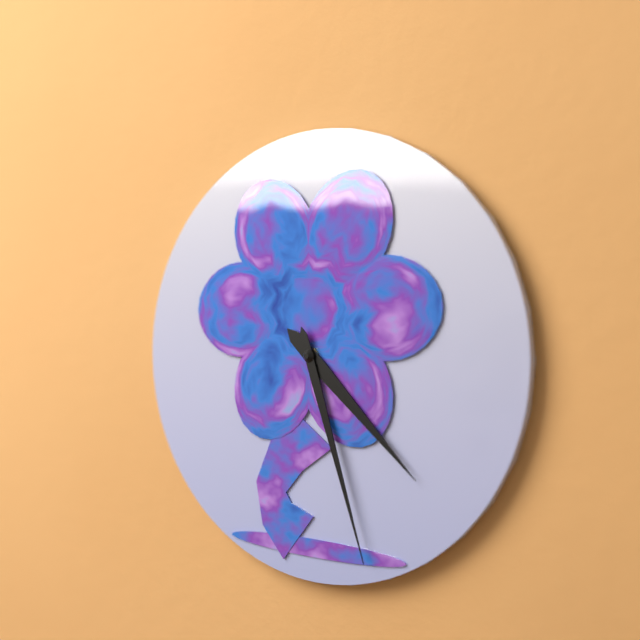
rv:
4.27
